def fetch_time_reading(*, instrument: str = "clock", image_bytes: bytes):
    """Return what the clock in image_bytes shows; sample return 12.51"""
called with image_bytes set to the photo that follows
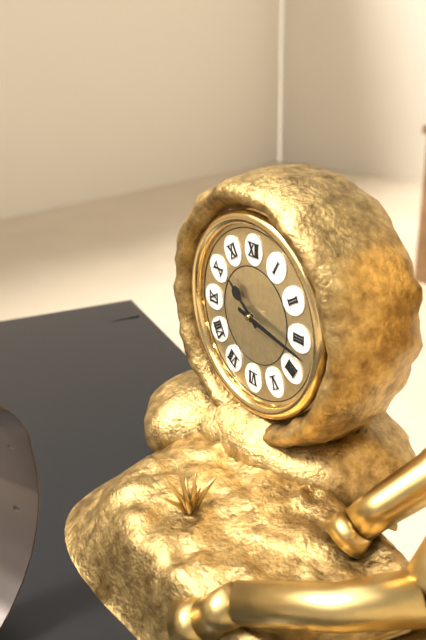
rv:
10.17
